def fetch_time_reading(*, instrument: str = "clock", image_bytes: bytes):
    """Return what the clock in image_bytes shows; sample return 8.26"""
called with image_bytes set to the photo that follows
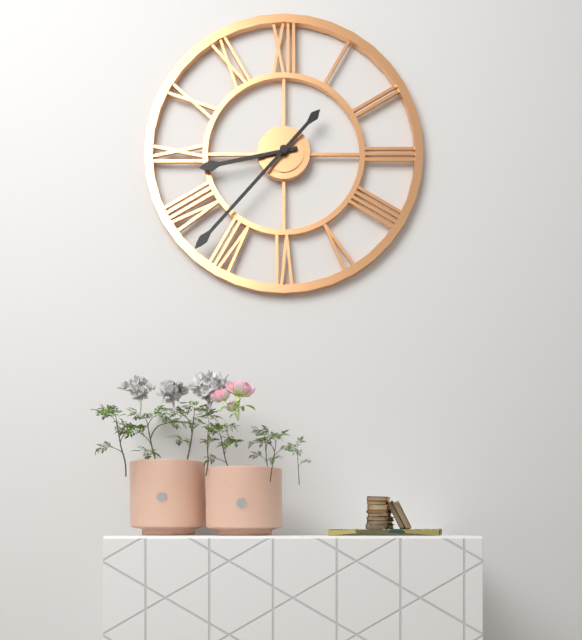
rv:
8.37
